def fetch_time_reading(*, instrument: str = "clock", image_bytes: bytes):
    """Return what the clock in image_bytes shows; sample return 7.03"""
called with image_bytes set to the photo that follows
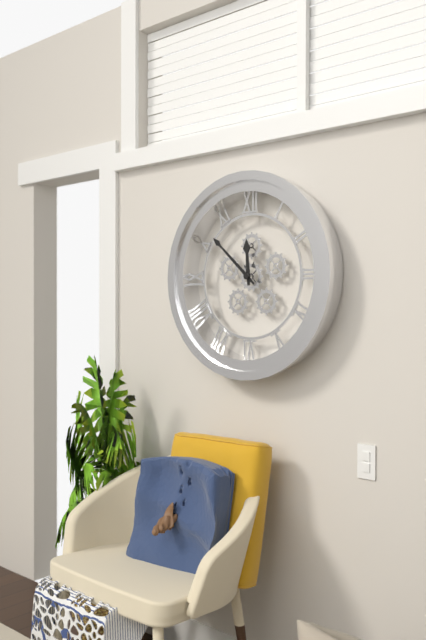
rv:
11.52
